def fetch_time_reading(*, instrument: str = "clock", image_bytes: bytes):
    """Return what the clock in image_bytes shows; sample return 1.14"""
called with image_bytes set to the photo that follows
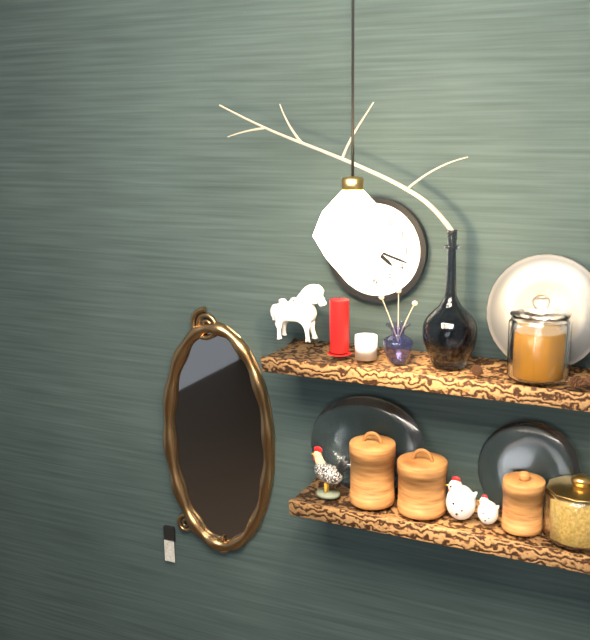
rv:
4.18
